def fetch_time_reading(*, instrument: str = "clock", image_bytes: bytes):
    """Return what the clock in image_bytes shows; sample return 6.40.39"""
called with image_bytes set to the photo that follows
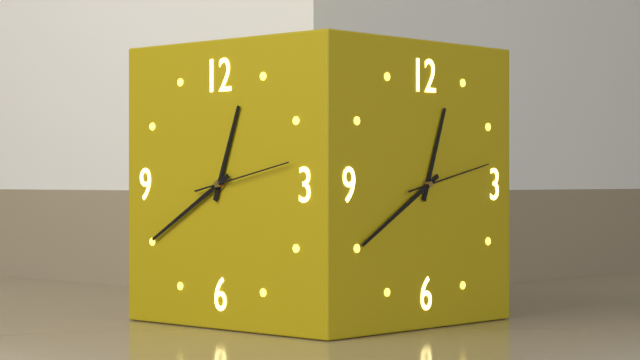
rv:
12.40.13
